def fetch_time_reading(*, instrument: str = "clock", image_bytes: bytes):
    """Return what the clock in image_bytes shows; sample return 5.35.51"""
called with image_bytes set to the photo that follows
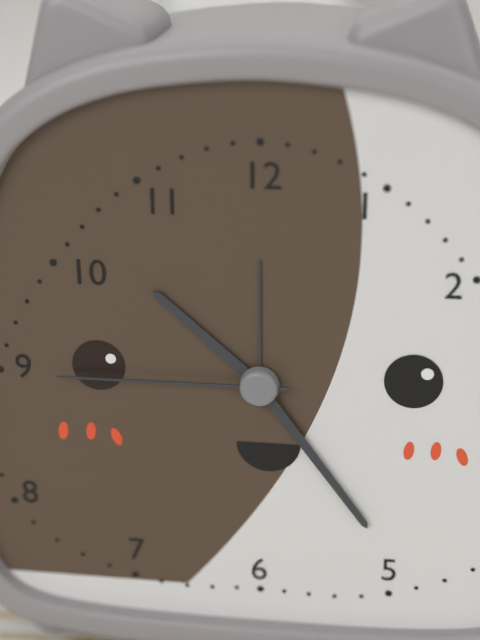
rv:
10.24.45
